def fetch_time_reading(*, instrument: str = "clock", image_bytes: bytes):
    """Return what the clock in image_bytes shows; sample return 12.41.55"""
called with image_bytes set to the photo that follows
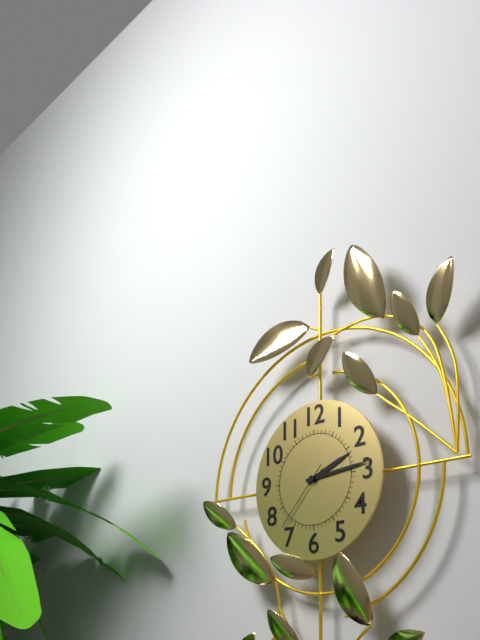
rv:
2.14.37
